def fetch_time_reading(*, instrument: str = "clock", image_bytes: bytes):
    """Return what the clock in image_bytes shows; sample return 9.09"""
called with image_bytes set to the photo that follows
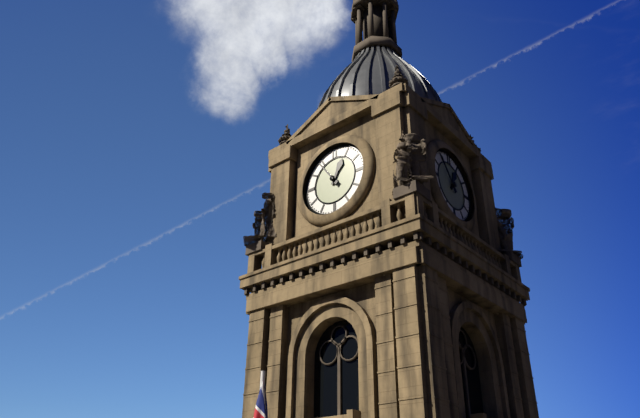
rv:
12.54
